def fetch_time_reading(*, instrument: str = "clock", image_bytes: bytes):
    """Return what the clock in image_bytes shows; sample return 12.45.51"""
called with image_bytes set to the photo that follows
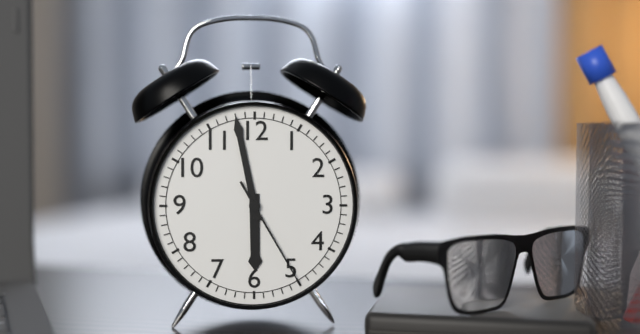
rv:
5.58.25
